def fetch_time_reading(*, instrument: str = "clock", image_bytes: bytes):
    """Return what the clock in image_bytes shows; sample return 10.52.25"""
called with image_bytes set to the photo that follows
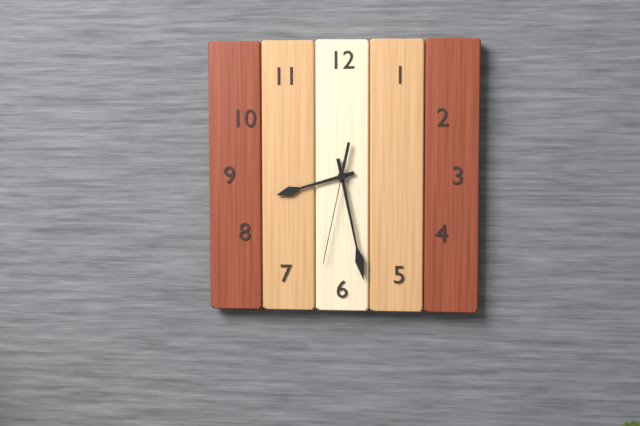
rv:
8.28.32
